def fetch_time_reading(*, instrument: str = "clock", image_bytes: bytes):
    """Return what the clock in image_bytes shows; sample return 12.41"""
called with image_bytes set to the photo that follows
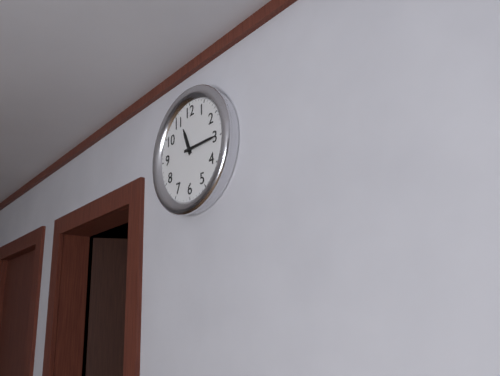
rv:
11.15
